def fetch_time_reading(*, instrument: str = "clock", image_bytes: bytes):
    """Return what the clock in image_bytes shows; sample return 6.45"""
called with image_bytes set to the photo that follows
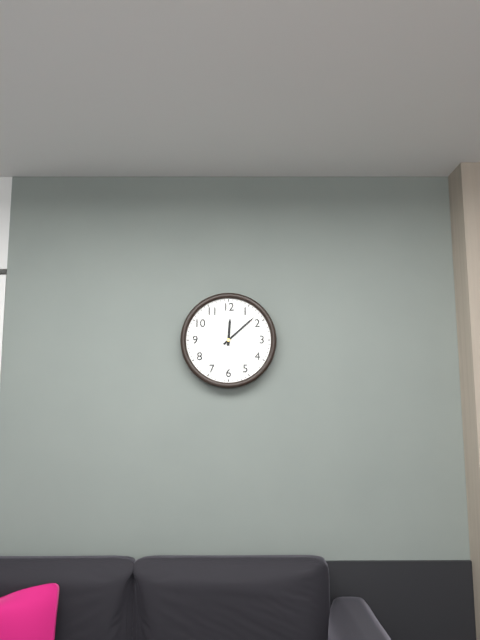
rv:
12.08
